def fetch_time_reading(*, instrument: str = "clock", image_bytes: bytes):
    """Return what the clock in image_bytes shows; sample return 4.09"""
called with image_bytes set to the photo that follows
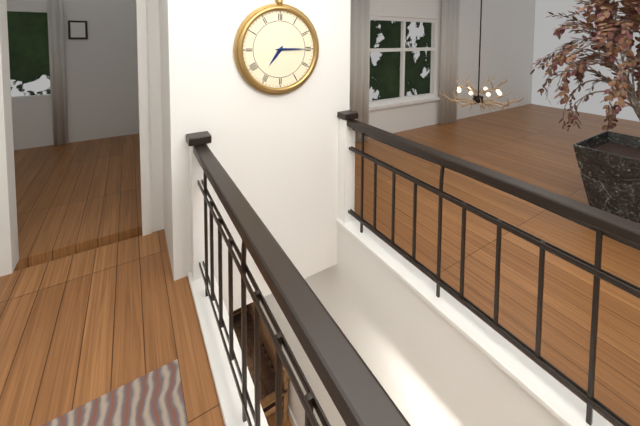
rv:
7.15
